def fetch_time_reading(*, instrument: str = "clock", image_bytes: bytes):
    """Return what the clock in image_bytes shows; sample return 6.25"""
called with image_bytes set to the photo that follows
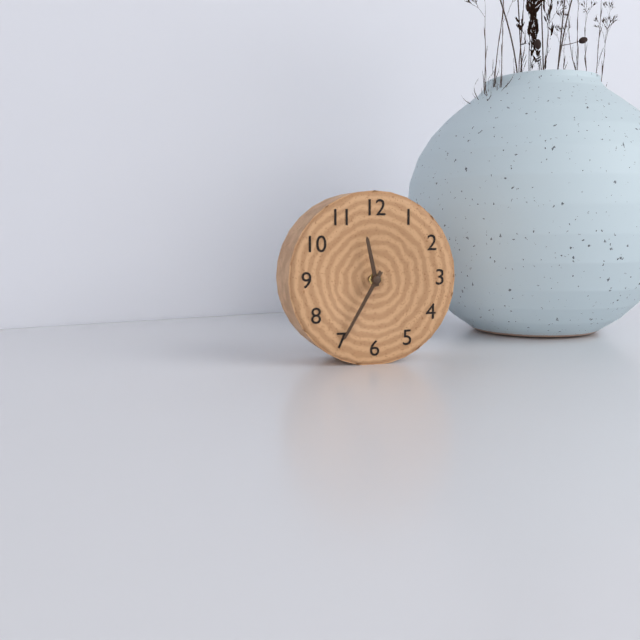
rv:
11.35
